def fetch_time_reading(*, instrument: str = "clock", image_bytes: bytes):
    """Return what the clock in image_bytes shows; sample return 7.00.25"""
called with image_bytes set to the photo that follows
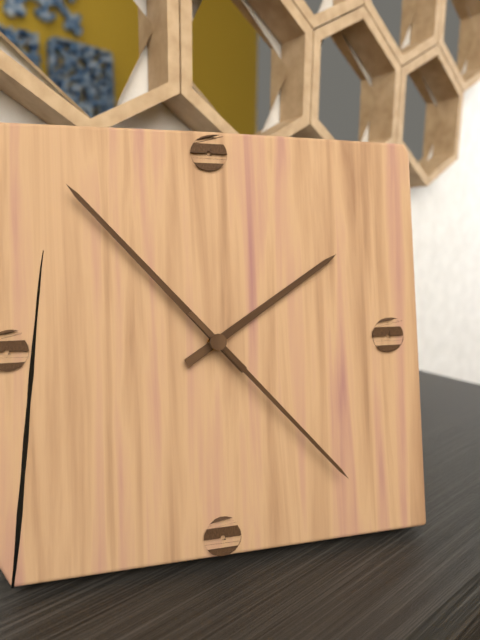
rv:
1.53.23
